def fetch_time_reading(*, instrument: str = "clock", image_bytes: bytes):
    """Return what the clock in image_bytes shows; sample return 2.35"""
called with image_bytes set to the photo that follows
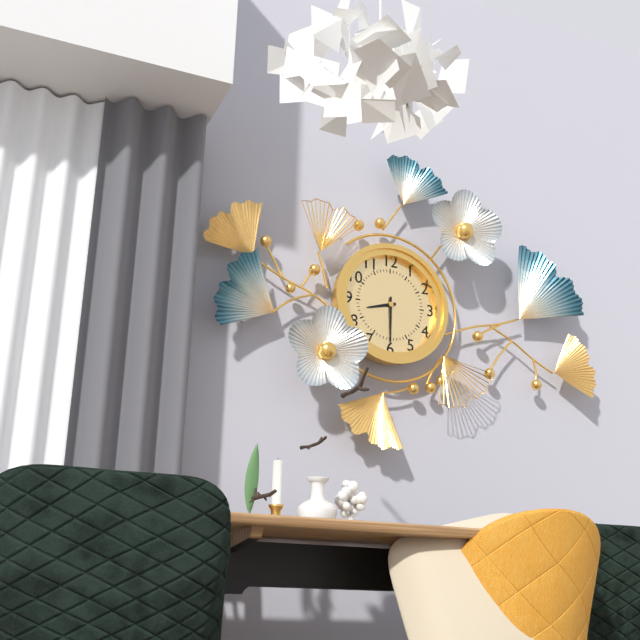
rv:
8.30
